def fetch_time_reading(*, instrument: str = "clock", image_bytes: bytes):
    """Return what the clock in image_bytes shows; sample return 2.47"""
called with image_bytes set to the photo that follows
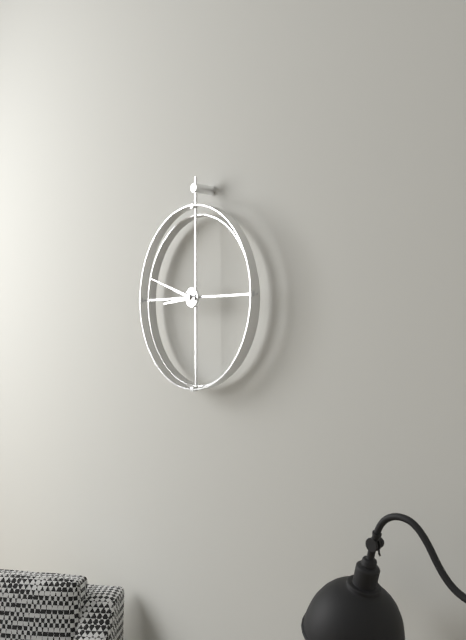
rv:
8.48
